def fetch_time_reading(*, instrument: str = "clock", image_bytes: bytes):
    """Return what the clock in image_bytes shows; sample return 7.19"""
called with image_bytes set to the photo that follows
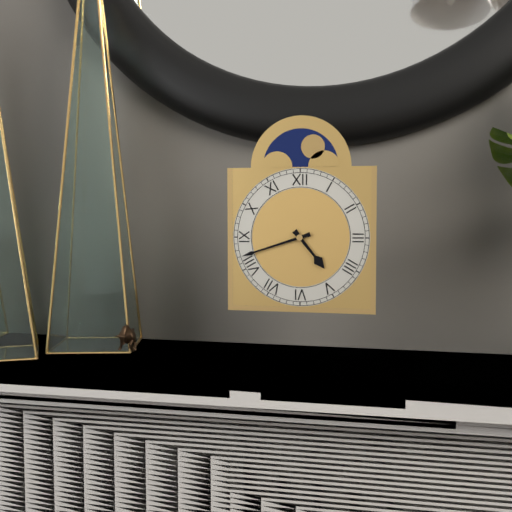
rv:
4.42
